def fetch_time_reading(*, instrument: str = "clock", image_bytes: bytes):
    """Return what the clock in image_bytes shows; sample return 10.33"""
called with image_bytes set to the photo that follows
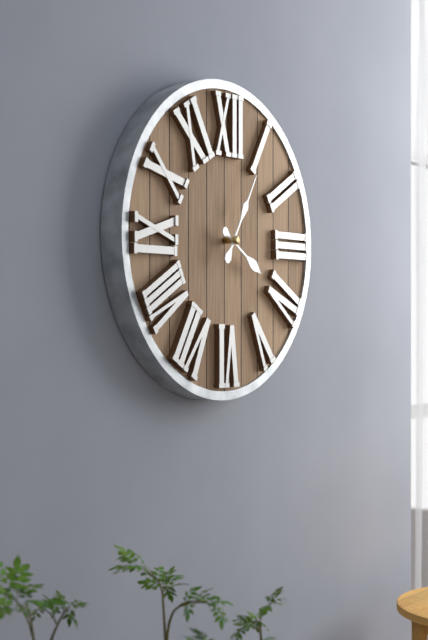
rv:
4.05
